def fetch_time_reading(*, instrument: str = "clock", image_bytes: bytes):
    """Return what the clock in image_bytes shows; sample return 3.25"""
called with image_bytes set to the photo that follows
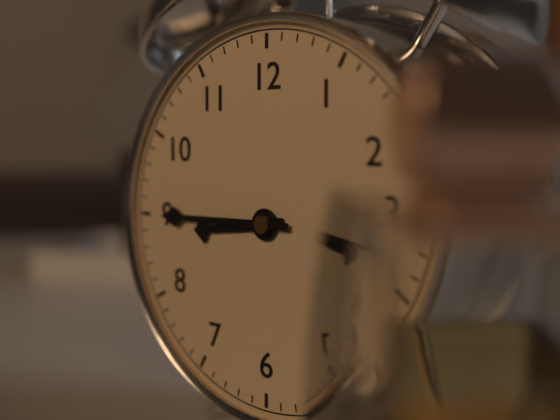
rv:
8.45
